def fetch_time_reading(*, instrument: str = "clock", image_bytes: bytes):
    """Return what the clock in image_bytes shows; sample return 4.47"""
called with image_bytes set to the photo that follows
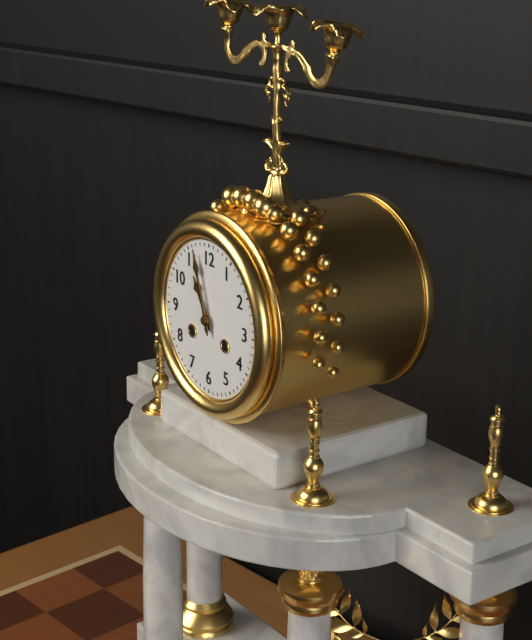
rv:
10.57
